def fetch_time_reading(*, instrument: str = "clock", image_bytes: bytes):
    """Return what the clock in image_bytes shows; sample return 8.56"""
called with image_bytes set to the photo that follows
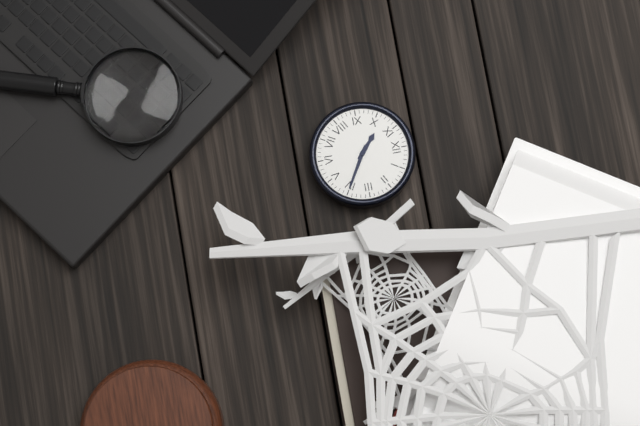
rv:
10.20
